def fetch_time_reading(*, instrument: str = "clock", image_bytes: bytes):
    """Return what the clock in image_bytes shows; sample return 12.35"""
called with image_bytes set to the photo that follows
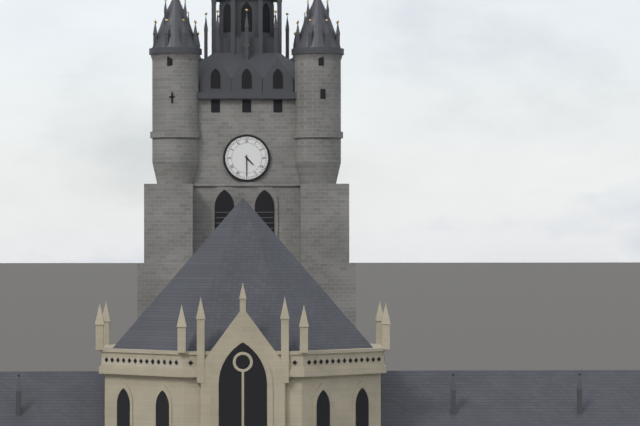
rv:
4.30
